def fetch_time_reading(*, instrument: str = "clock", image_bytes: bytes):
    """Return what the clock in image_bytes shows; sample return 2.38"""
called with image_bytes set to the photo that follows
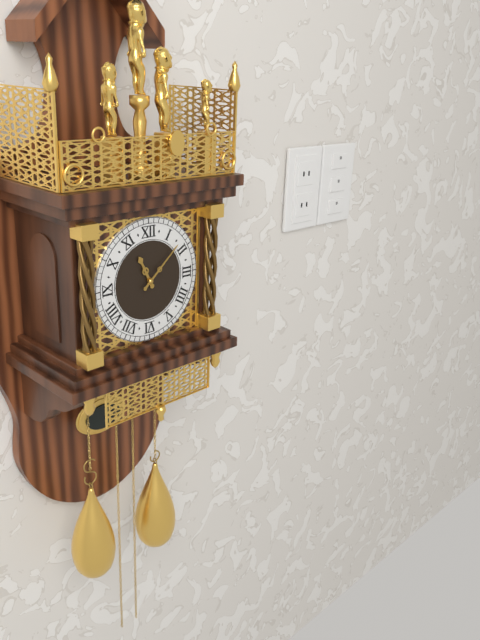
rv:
11.08
